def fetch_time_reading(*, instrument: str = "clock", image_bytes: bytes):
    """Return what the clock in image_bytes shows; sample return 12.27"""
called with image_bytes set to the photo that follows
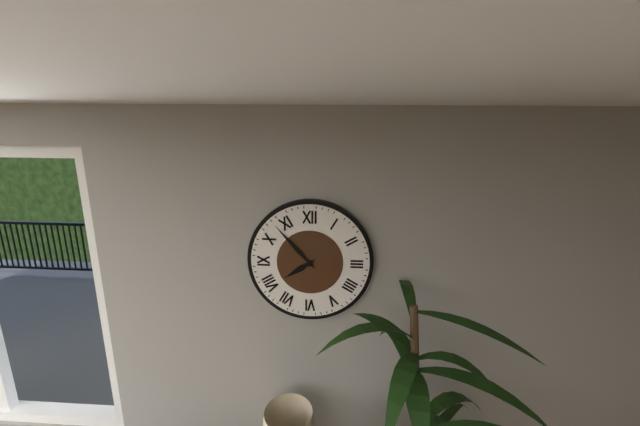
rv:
7.53
